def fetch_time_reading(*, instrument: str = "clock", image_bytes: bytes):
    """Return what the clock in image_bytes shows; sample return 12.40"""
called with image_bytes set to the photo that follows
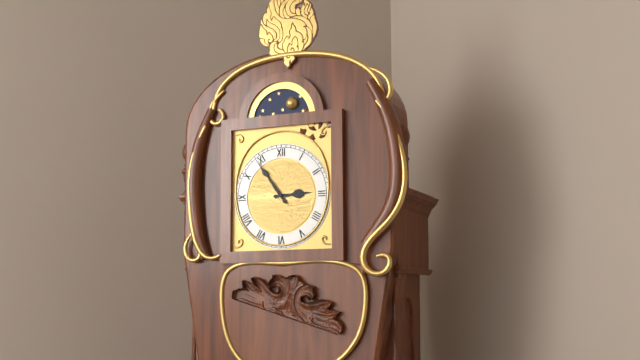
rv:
2.54
